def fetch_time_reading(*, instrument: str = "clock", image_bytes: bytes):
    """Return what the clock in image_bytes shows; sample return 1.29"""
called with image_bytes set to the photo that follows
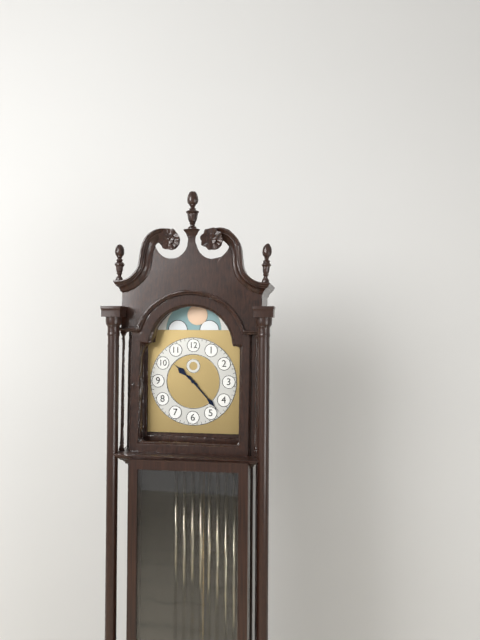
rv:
10.23
